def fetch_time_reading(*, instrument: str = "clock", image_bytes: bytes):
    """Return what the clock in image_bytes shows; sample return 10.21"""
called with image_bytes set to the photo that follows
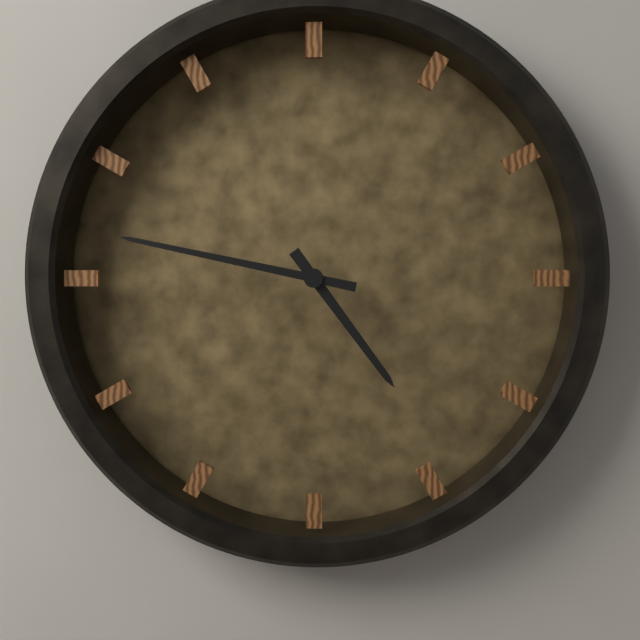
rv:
4.47
